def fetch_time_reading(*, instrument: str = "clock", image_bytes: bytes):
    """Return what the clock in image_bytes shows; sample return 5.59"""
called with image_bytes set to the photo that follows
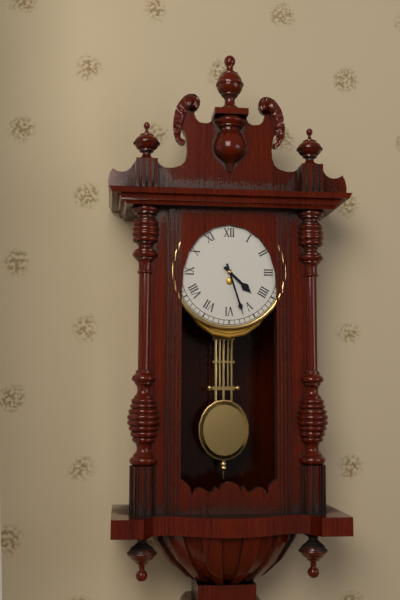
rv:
4.27
